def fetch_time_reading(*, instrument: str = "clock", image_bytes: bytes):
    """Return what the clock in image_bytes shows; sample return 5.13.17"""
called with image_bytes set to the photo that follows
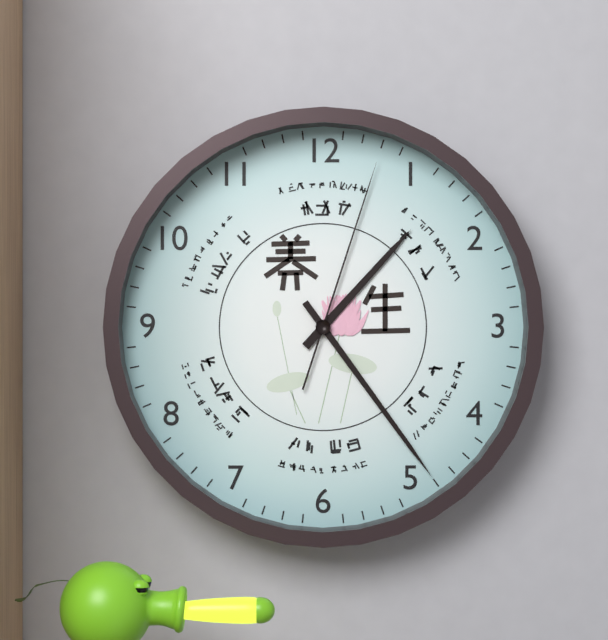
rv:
1.24.03
